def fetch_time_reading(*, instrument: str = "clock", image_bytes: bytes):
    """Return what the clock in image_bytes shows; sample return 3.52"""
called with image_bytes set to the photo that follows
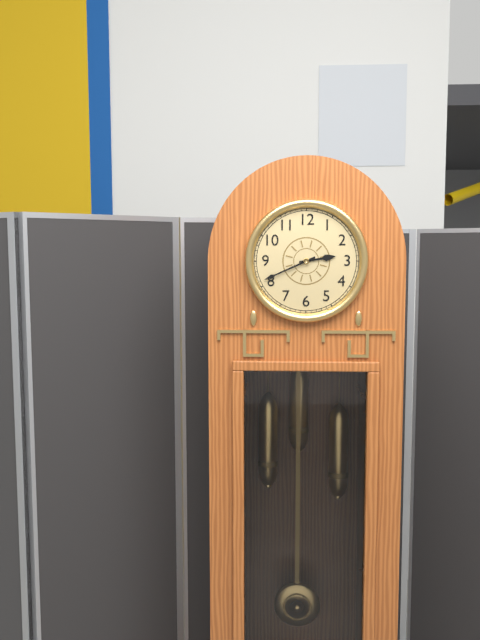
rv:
2.41
